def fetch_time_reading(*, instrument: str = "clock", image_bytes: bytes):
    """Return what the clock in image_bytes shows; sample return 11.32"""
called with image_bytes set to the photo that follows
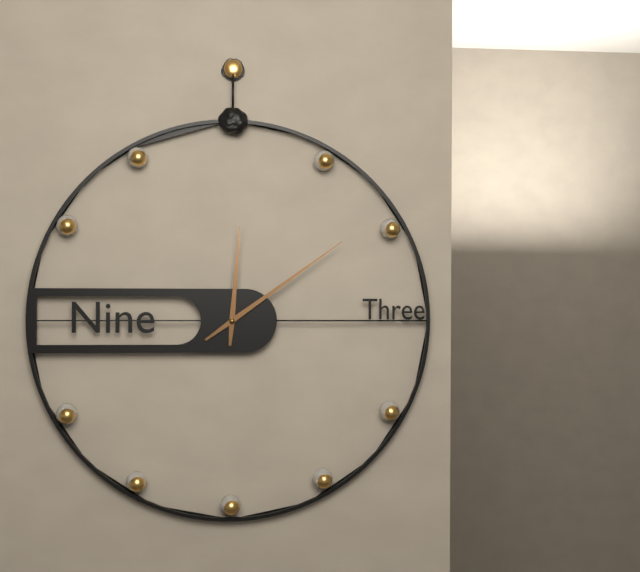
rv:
12.09
